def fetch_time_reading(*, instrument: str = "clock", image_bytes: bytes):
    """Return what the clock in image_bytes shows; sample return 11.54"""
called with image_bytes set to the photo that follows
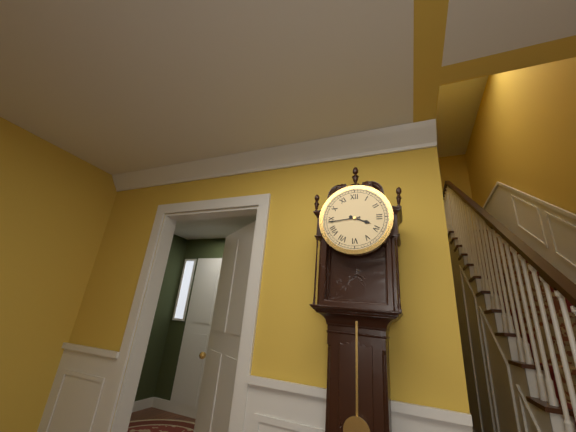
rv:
3.44
